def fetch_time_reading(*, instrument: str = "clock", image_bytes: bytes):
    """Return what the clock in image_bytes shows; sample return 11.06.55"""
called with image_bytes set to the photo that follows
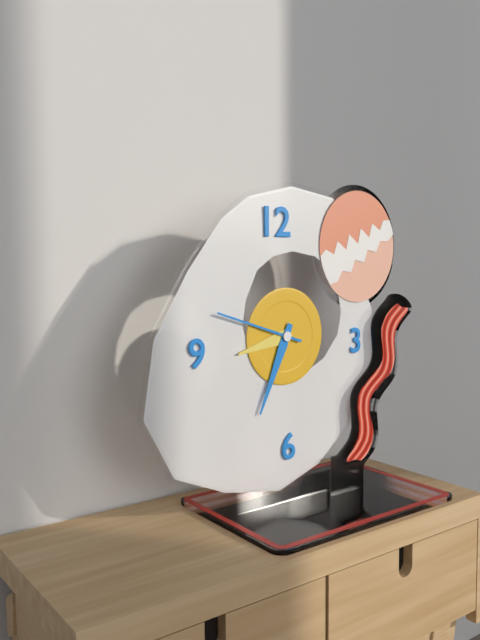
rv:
8.34.48
